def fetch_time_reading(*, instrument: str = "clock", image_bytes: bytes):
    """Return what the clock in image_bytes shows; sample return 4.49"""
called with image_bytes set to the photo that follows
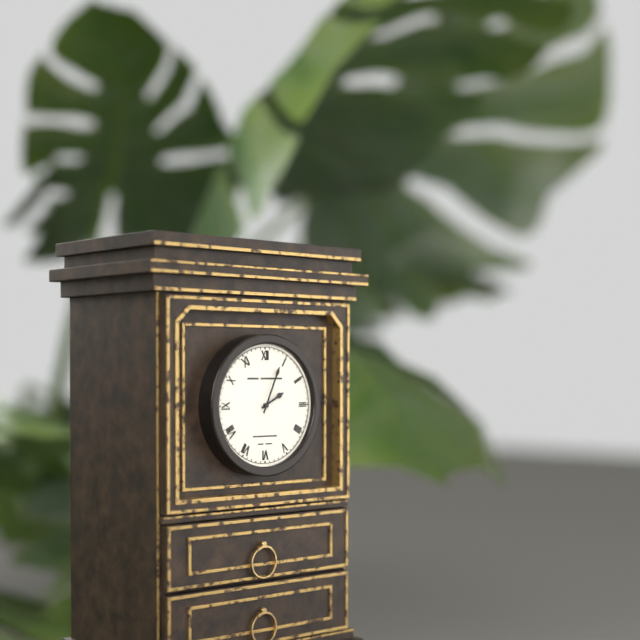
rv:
2.04
